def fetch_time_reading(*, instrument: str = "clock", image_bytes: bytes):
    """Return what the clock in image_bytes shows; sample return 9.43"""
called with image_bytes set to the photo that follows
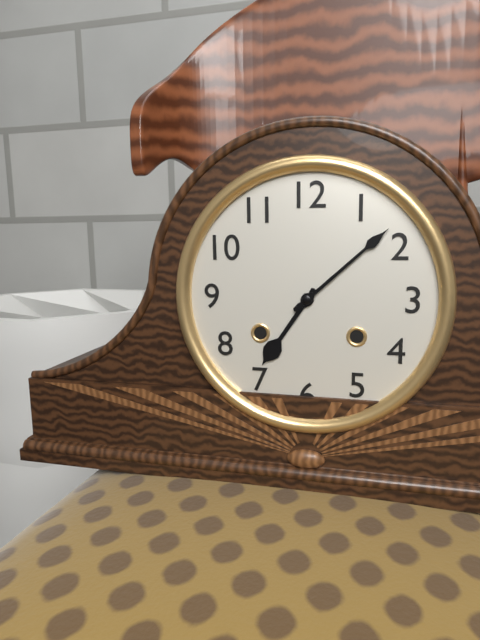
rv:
7.08
